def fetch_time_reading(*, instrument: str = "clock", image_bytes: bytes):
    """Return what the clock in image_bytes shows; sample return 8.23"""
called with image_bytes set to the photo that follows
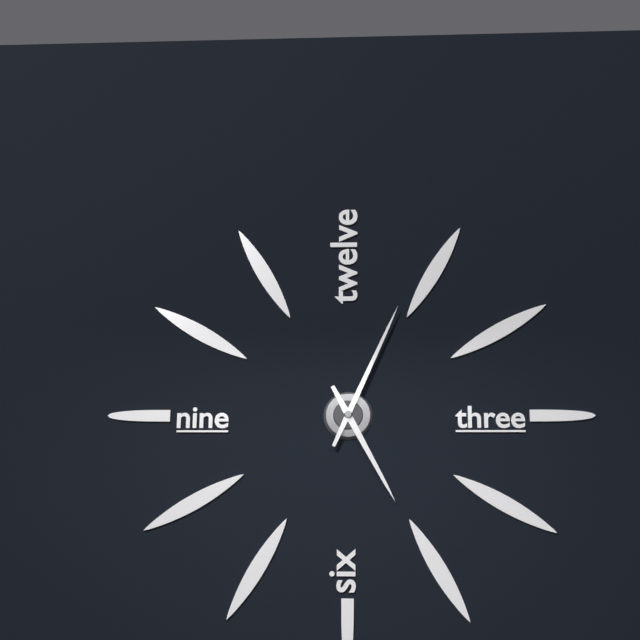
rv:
5.04
